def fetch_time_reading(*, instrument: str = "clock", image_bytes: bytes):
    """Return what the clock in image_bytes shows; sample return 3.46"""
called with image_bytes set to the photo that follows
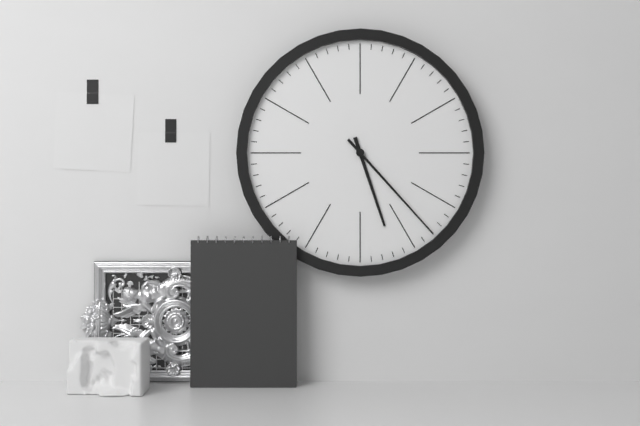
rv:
5.23
